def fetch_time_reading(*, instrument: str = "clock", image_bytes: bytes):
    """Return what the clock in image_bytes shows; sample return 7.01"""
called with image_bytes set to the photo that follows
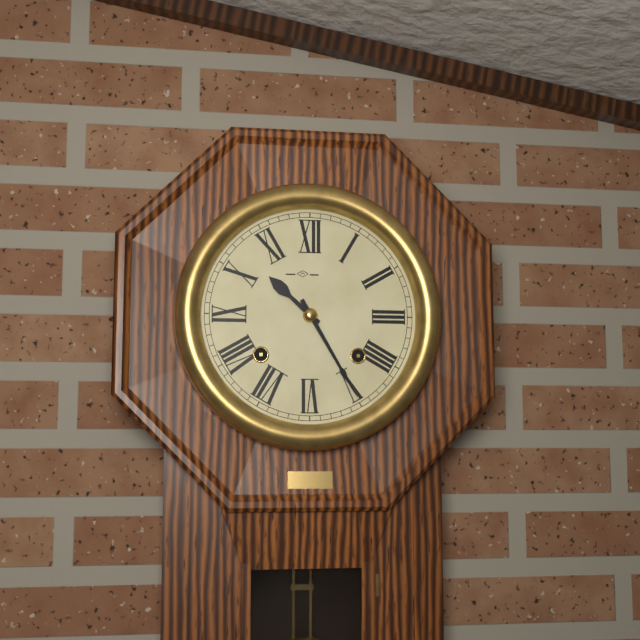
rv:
10.25
